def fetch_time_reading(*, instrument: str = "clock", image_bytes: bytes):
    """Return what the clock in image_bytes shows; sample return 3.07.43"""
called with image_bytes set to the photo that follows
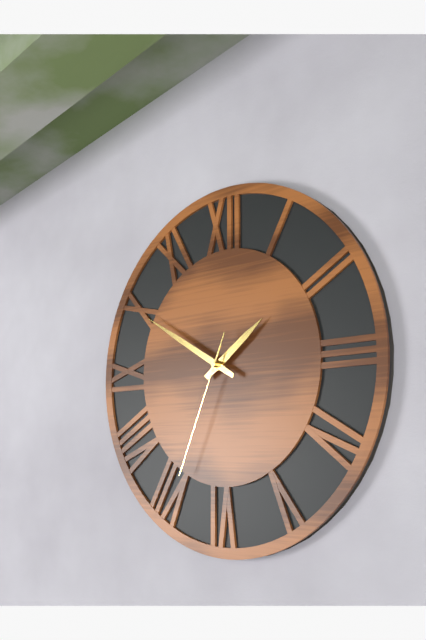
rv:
1.50.34
